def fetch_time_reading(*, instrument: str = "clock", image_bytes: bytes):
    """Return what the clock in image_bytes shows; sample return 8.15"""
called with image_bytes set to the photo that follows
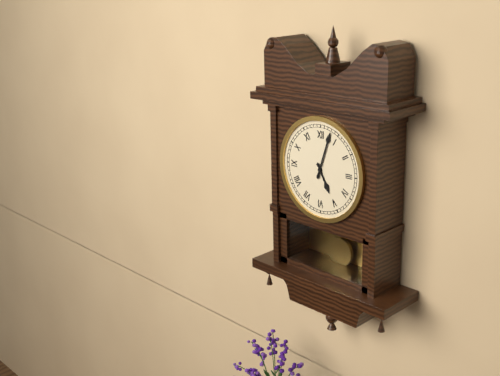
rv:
5.03
